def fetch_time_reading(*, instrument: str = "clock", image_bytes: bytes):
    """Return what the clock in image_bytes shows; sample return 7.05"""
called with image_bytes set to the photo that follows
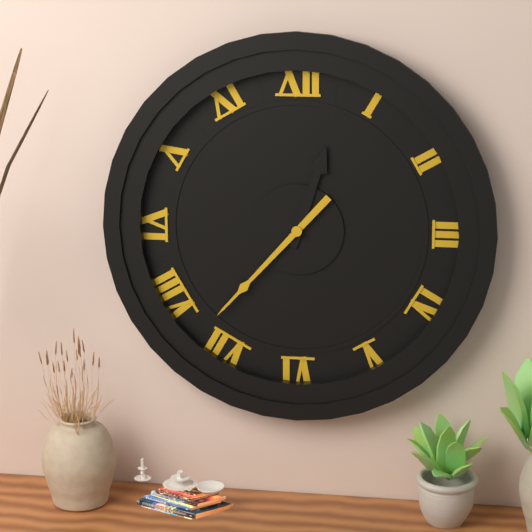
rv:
12.37
